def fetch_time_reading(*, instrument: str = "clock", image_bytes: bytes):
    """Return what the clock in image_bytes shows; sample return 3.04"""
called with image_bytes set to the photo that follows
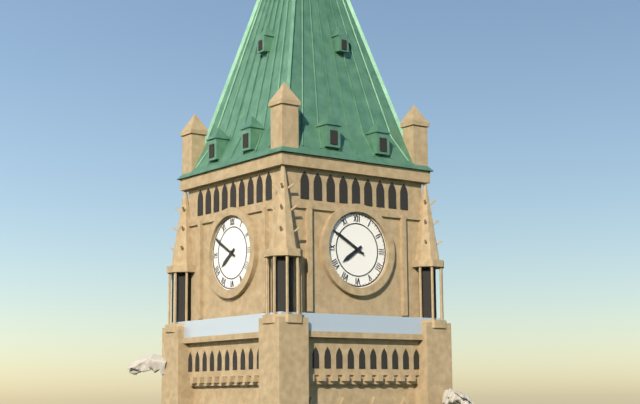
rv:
7.50
